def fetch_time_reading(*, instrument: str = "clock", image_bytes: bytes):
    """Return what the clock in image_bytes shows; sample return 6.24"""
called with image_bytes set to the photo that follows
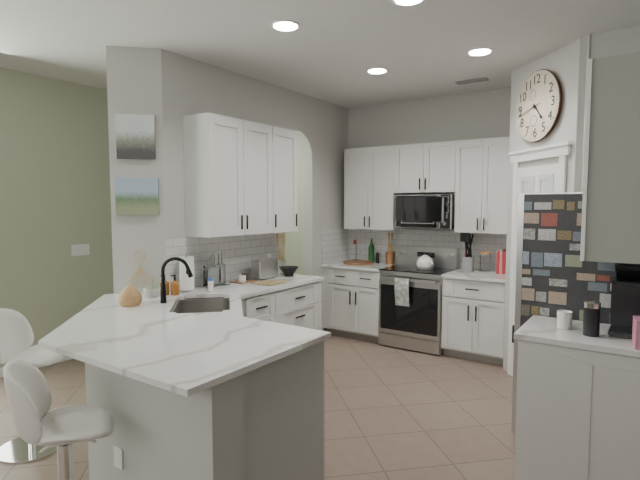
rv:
4.43
